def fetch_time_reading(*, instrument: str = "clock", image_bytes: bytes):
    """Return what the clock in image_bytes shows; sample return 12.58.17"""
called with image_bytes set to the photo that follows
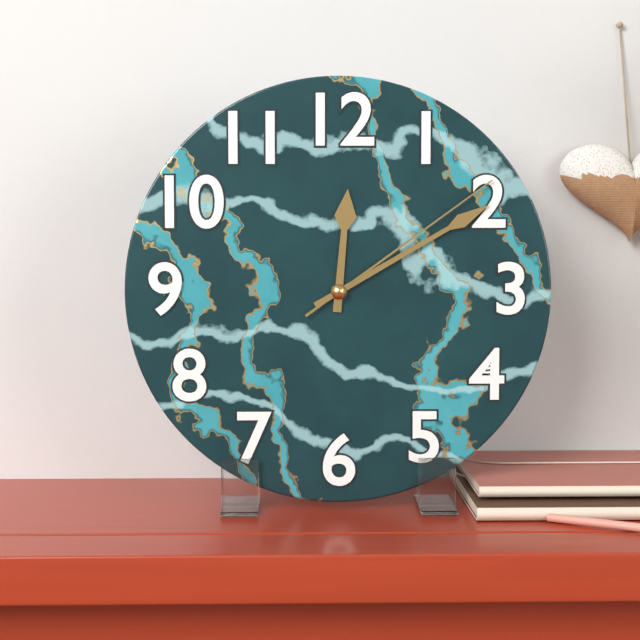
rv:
12.10.09
